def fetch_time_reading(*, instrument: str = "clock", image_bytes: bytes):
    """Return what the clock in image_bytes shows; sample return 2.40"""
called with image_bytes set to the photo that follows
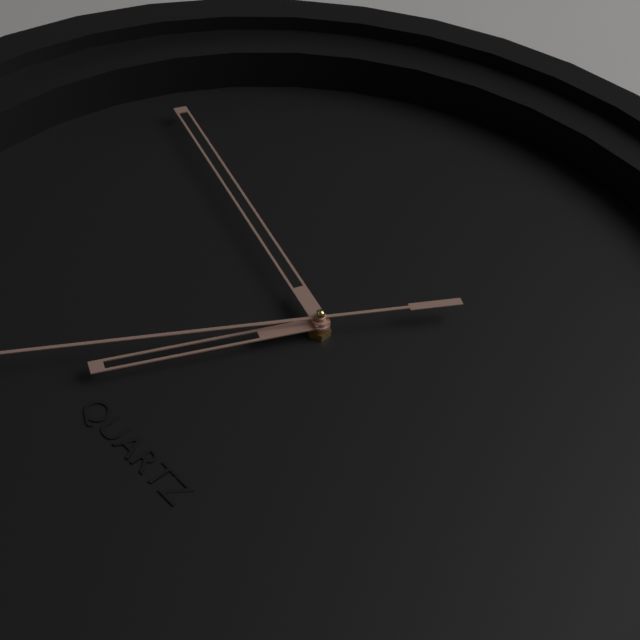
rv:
6.48
